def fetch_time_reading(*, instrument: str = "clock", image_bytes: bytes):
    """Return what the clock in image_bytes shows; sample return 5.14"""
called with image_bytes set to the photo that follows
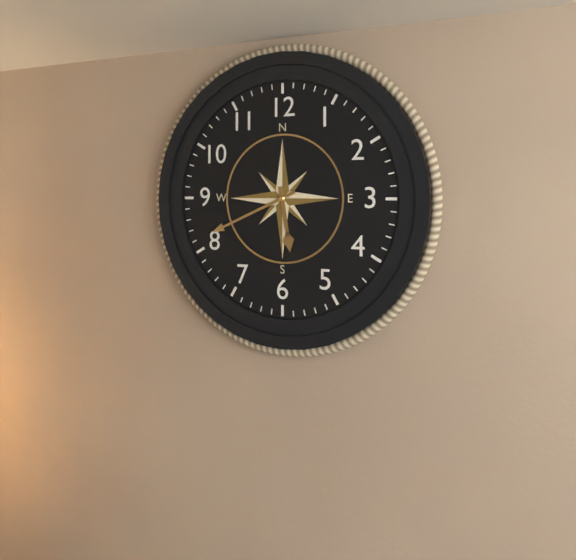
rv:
5.41
